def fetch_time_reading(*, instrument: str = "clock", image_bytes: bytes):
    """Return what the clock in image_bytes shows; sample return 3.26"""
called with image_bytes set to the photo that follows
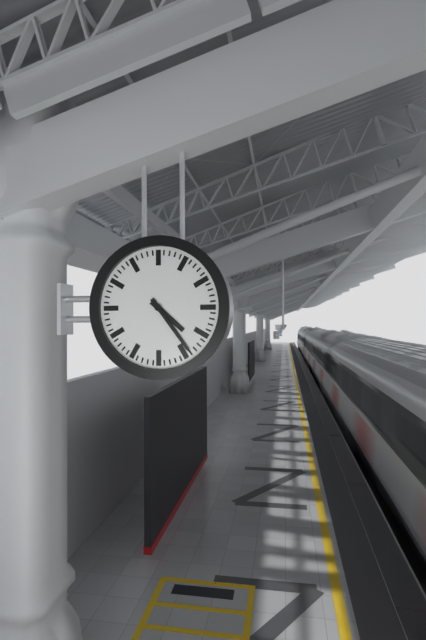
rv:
4.24
